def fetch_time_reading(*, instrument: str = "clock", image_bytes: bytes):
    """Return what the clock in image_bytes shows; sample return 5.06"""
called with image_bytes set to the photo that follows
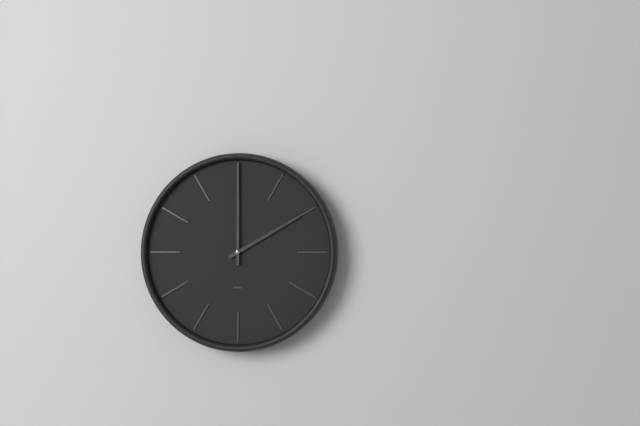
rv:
2.00
